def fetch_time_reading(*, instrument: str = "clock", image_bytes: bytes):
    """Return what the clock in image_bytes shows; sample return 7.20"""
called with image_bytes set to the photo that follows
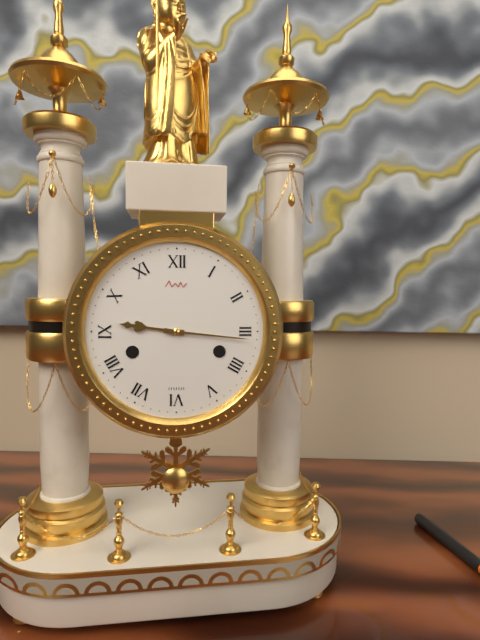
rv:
9.16
